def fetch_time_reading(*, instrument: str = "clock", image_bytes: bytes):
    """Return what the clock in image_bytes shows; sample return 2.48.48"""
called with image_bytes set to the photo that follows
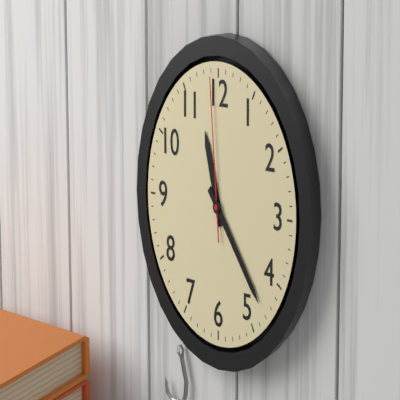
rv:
11.23.59
